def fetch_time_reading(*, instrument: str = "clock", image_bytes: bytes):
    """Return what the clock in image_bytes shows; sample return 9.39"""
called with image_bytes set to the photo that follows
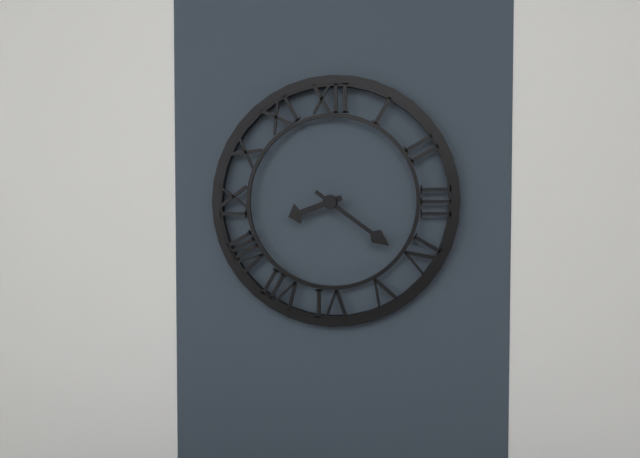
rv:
8.21
